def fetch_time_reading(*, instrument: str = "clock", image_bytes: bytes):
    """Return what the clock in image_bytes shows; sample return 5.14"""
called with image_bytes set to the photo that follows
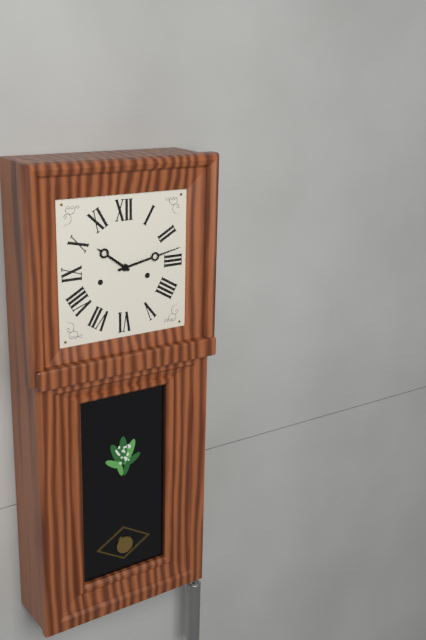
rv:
10.13
